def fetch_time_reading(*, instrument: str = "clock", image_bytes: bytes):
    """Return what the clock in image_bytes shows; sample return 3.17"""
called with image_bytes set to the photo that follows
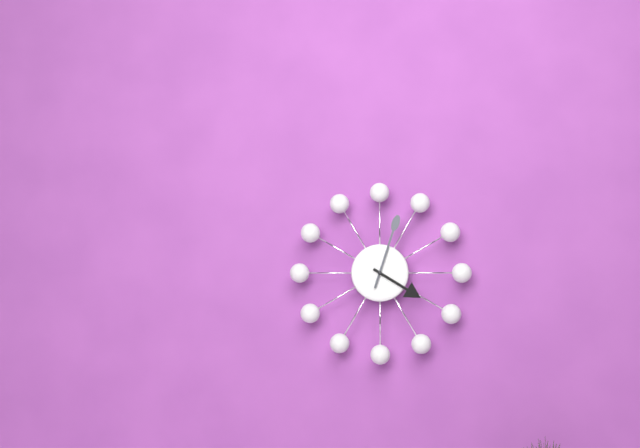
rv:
4.03
